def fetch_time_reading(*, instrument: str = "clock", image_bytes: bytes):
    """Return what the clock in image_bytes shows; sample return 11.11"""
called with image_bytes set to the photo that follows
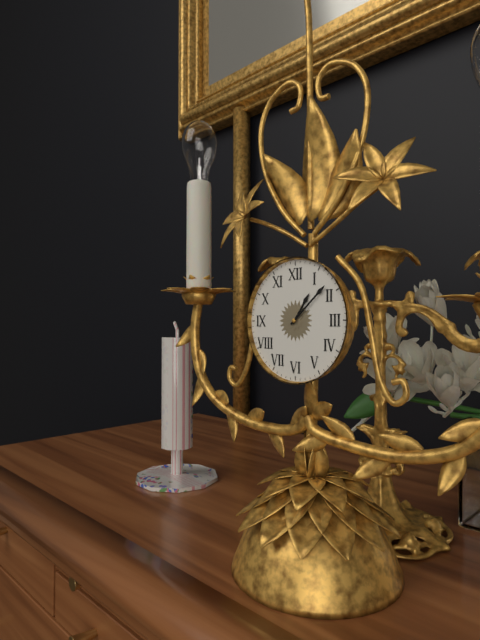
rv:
1.08
